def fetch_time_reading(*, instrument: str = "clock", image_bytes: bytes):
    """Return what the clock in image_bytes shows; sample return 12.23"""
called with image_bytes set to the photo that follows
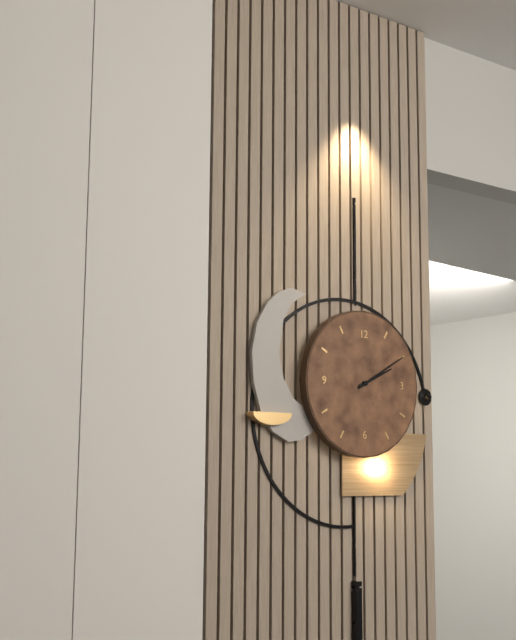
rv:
2.10
